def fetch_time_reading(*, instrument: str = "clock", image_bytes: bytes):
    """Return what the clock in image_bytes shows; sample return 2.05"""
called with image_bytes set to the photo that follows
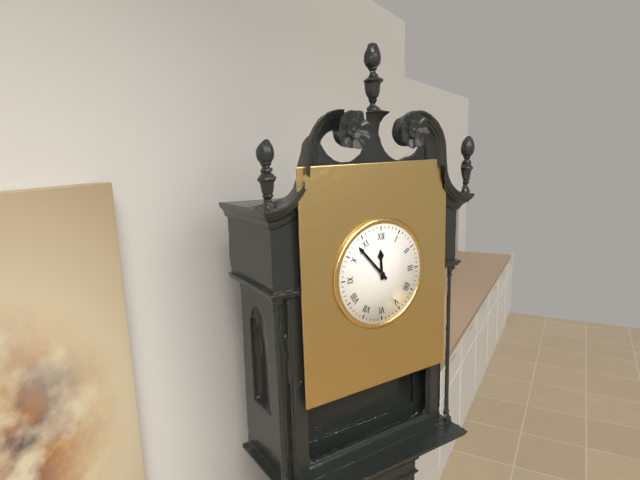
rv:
11.53
